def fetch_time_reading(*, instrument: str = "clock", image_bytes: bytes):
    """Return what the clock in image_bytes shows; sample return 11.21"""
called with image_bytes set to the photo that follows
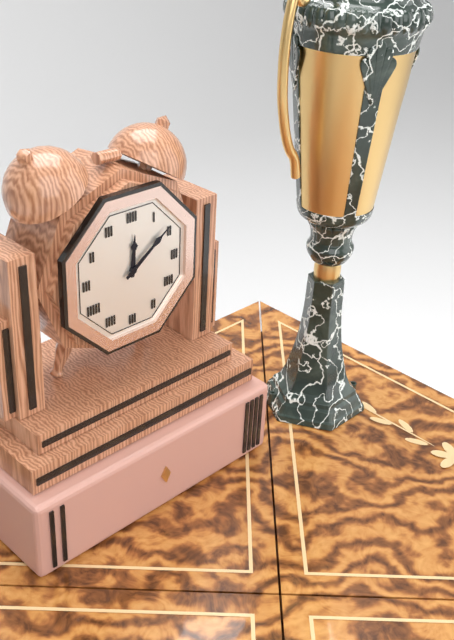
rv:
12.09
